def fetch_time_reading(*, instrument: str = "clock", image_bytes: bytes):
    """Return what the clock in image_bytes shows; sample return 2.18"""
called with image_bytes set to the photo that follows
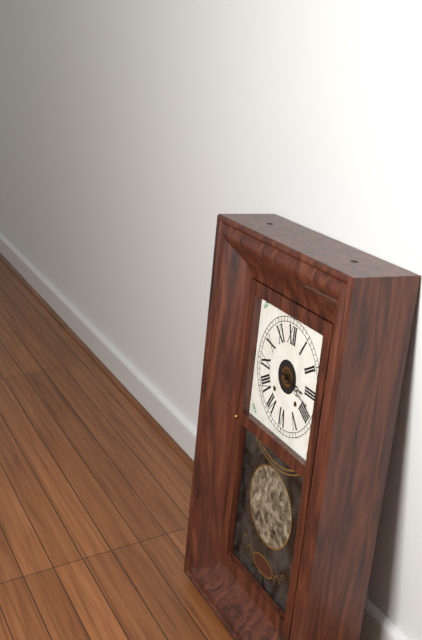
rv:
3.18
